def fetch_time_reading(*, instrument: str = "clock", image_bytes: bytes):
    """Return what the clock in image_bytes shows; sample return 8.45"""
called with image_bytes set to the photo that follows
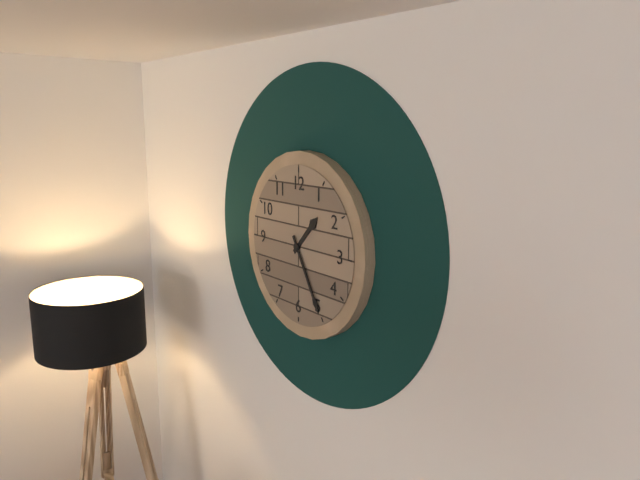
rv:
1.25
